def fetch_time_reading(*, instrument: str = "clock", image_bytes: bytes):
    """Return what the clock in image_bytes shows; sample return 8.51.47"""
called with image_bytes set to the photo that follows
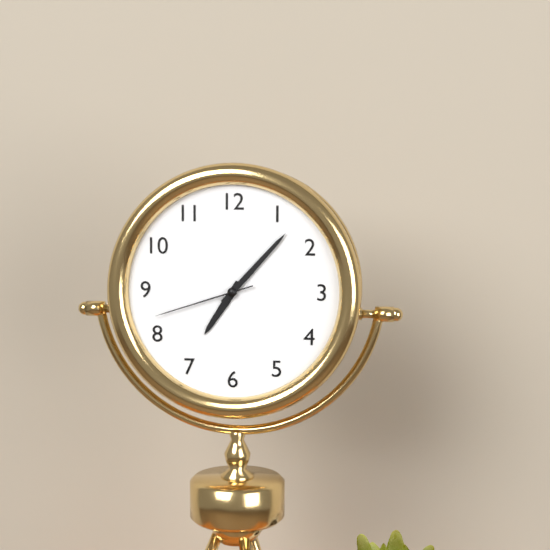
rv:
7.07.42
